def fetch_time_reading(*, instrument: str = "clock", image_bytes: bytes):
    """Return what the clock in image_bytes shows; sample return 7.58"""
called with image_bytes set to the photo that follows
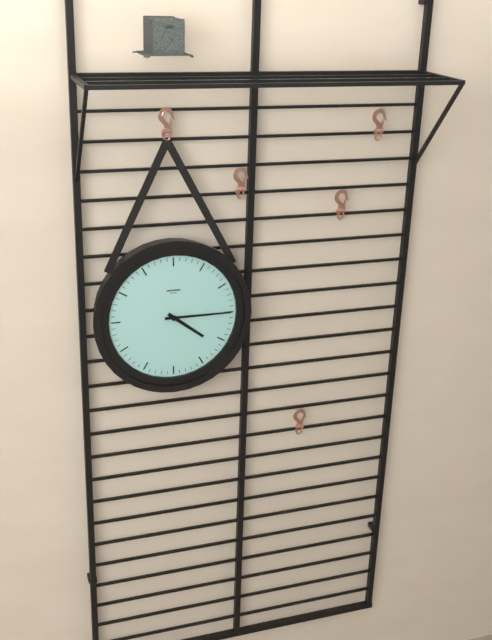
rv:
4.15
